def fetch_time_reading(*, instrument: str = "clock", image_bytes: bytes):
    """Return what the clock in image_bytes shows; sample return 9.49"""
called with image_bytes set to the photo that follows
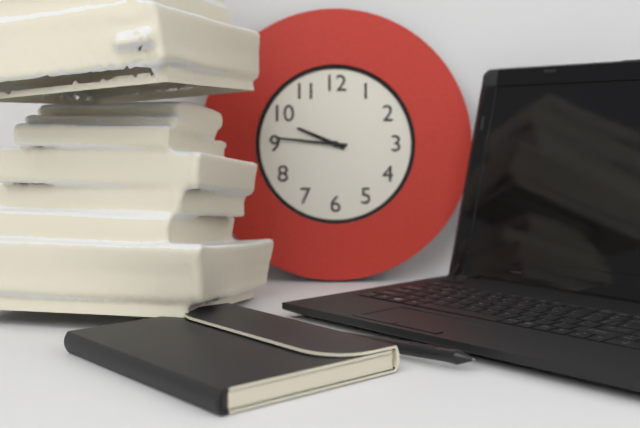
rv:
9.46
